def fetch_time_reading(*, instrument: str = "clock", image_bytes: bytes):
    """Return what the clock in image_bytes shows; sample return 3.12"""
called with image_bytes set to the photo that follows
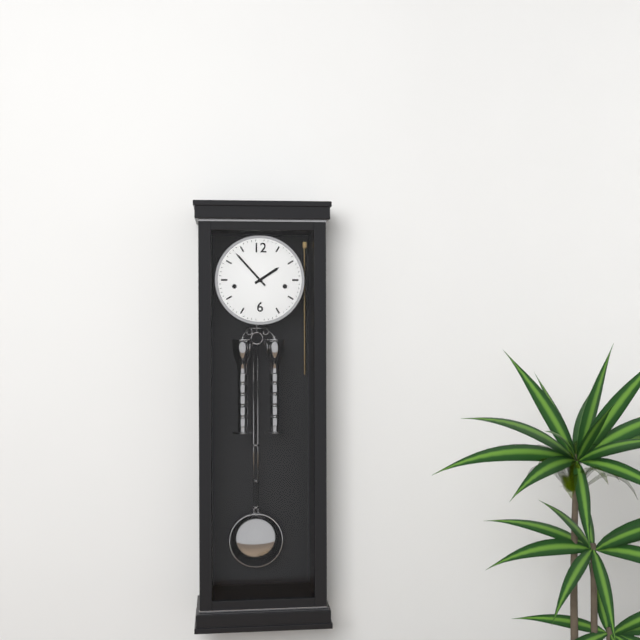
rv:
1.53
